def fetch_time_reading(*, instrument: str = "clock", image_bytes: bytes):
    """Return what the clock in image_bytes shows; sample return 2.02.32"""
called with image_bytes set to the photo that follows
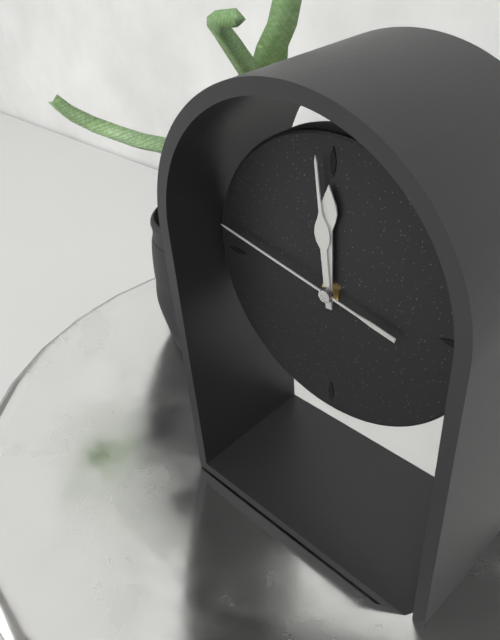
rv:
11.59.47
